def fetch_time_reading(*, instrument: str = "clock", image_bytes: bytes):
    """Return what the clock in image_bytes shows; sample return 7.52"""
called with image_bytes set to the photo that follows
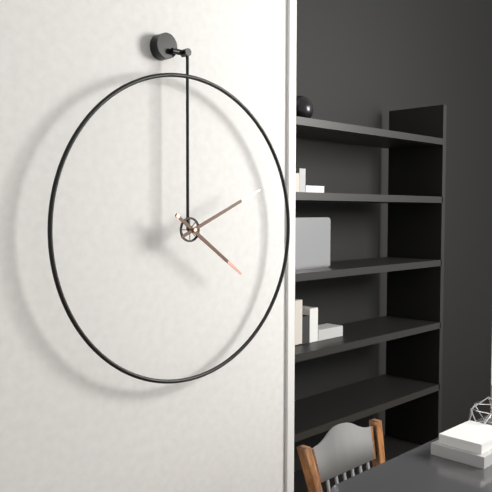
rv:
4.11
